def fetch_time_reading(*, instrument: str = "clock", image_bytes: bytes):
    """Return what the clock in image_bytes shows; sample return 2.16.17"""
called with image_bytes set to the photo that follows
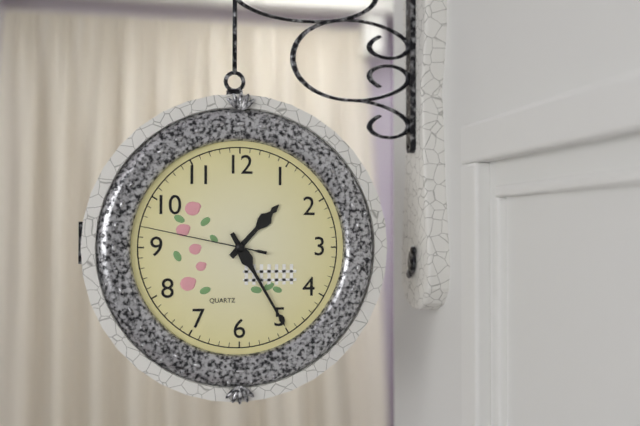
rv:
1.25.47
